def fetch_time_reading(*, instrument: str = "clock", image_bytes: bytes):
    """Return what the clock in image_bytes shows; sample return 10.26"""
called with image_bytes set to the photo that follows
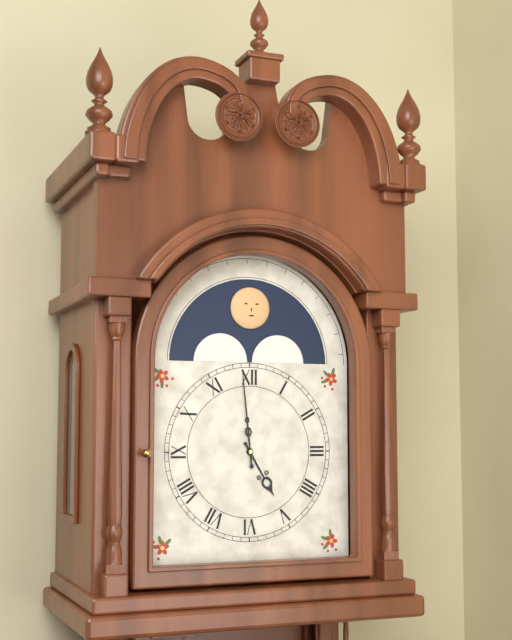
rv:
4.59
